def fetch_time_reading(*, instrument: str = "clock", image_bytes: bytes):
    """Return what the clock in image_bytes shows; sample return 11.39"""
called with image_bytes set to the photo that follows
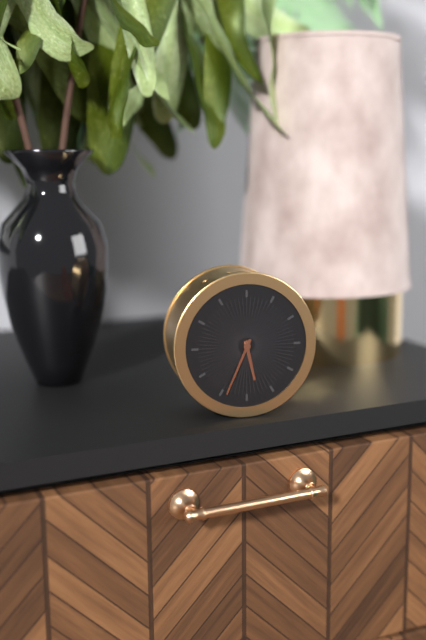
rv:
5.34
